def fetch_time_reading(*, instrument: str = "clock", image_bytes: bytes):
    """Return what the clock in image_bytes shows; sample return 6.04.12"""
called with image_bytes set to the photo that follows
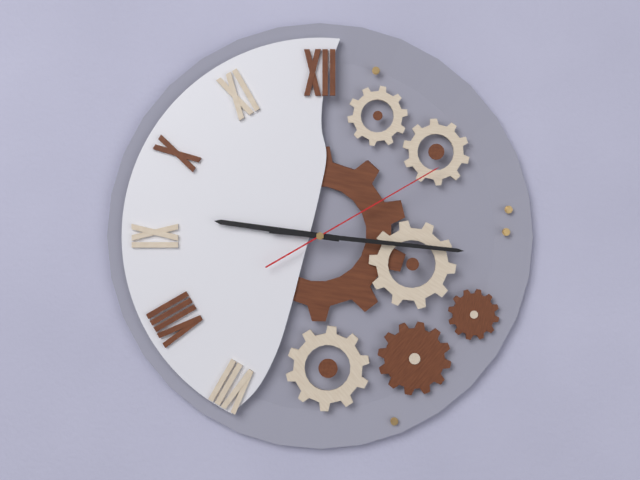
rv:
9.16.10
